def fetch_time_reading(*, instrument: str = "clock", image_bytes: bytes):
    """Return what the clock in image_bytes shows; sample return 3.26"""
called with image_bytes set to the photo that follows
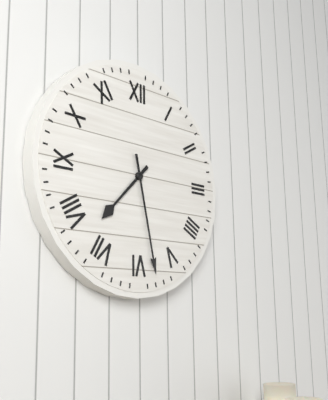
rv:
7.28
